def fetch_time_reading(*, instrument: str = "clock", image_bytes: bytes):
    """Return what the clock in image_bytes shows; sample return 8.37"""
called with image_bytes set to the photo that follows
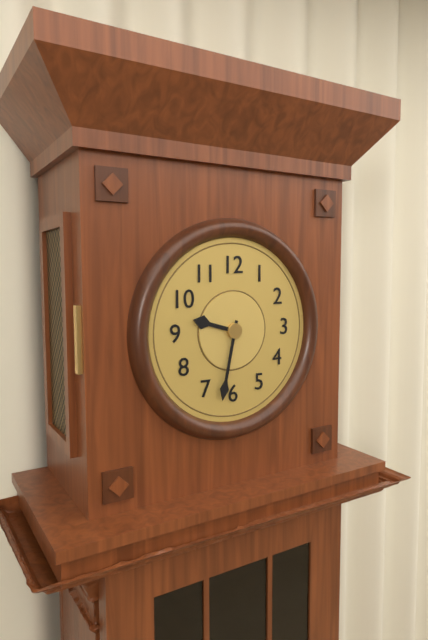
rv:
9.32
